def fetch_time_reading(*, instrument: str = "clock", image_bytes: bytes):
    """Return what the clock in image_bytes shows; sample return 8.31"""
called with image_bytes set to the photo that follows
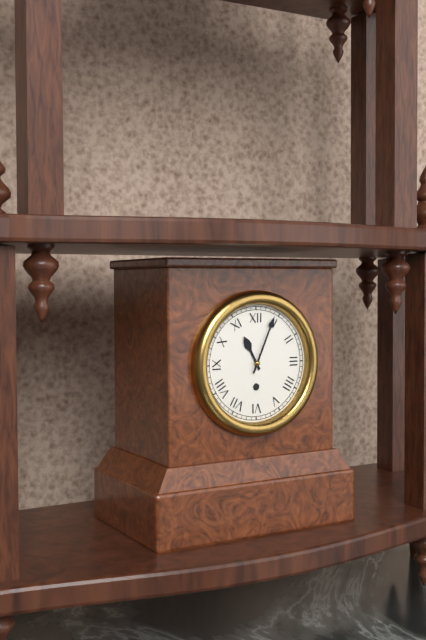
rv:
11.04
